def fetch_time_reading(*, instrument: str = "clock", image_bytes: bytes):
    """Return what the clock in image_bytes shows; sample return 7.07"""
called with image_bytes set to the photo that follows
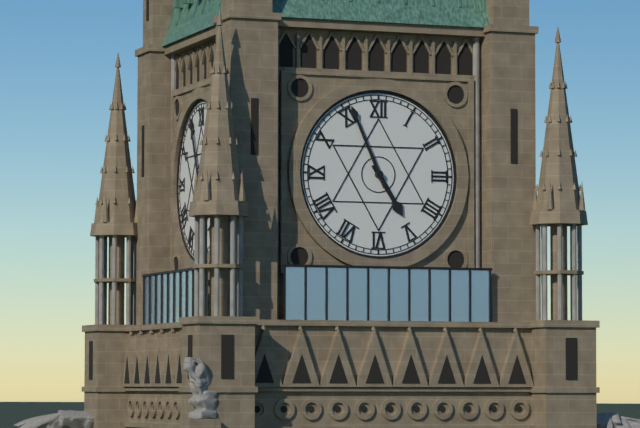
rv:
4.56
